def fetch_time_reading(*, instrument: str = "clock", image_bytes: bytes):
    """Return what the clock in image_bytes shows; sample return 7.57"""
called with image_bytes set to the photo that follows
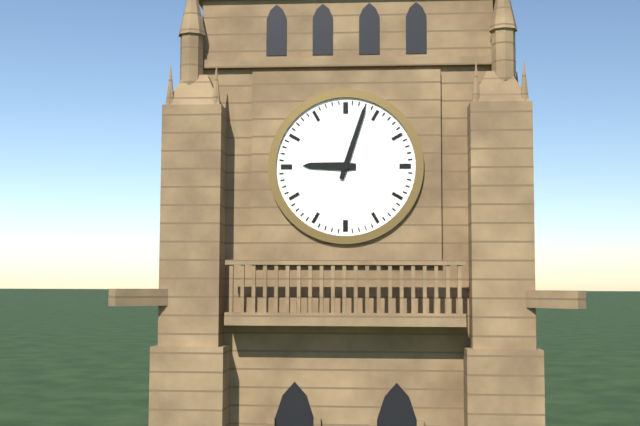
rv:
9.03
